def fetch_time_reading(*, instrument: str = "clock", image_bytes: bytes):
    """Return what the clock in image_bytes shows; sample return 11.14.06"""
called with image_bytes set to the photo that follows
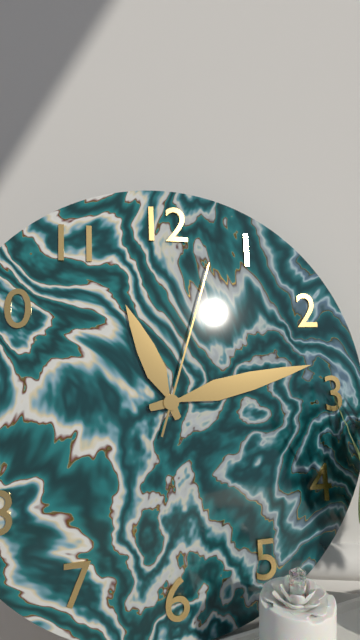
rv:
11.13.03
